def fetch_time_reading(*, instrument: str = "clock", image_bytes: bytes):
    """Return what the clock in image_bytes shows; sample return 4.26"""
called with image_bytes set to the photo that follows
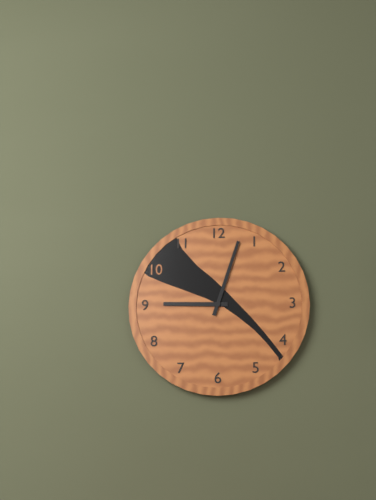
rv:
9.03
